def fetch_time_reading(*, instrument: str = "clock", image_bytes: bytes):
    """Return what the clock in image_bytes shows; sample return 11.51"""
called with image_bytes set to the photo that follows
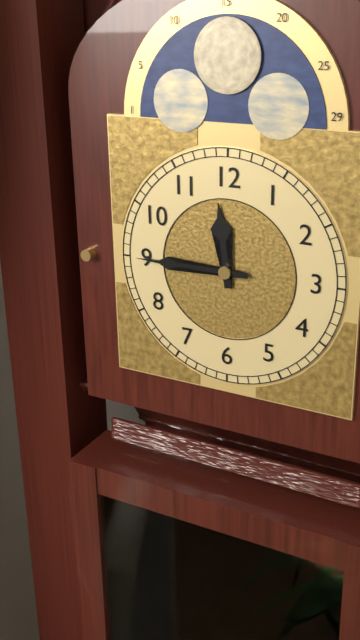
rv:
11.45
